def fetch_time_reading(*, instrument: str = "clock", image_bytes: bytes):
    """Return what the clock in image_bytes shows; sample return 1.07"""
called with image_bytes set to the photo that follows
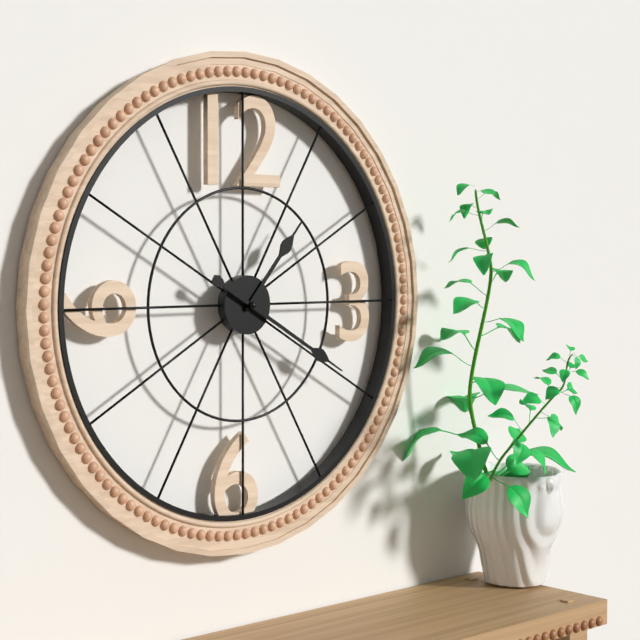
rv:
1.20
